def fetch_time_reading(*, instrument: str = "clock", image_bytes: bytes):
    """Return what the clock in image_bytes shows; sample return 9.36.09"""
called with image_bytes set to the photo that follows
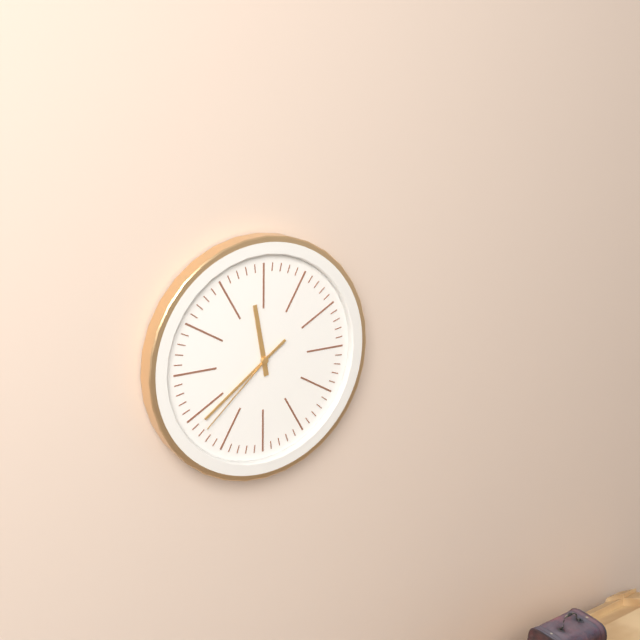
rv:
11.39.38
